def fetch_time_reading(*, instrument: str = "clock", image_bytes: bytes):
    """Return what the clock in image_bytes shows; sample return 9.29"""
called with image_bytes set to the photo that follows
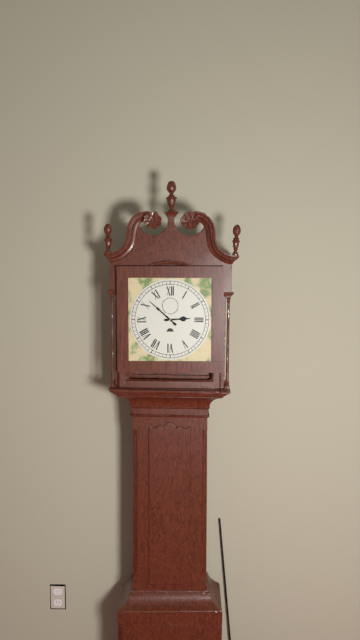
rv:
2.52
